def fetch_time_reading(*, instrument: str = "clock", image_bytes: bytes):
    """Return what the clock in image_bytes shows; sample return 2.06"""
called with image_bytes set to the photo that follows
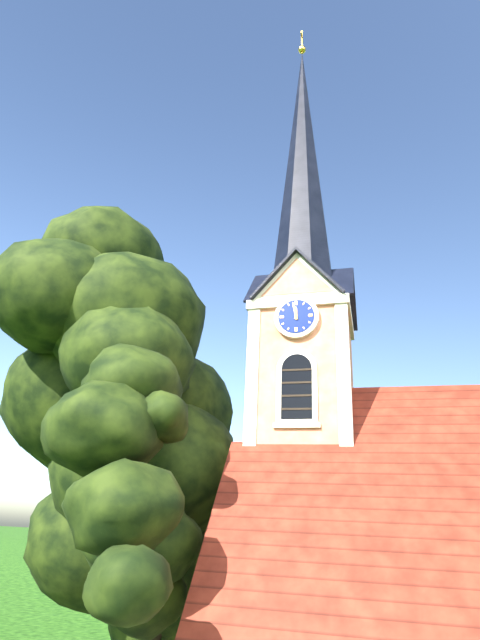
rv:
11.58
